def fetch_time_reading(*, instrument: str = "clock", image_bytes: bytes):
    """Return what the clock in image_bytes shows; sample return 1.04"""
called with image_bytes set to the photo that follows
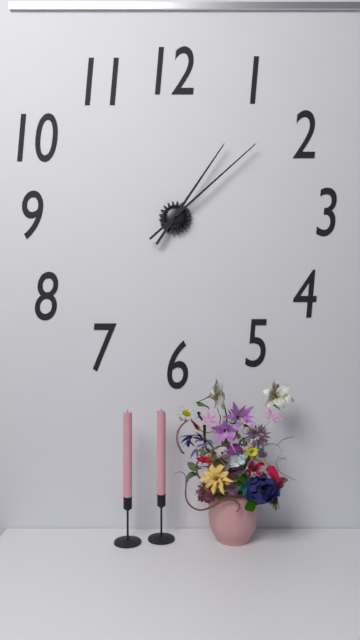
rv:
1.08
